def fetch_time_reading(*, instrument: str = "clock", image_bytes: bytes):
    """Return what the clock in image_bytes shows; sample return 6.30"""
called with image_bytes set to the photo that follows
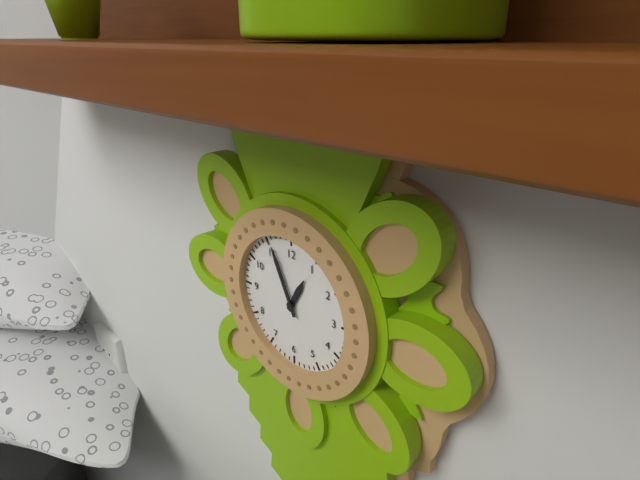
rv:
12.56
